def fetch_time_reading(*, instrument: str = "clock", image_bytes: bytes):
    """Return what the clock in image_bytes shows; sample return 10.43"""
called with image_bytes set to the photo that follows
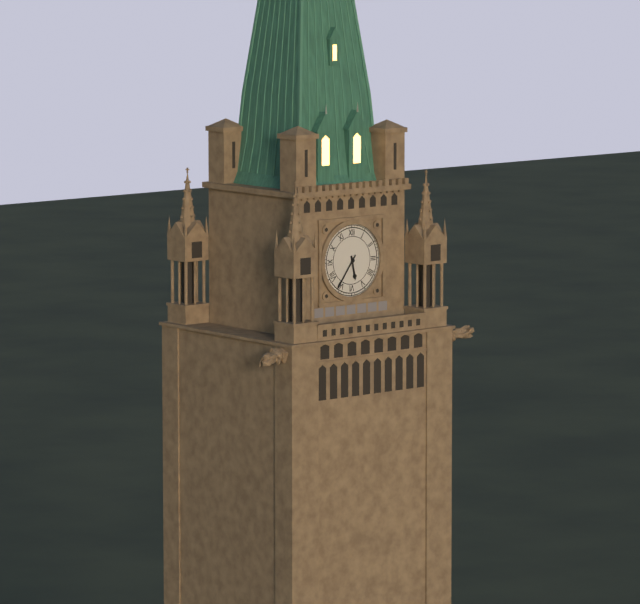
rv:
5.36
